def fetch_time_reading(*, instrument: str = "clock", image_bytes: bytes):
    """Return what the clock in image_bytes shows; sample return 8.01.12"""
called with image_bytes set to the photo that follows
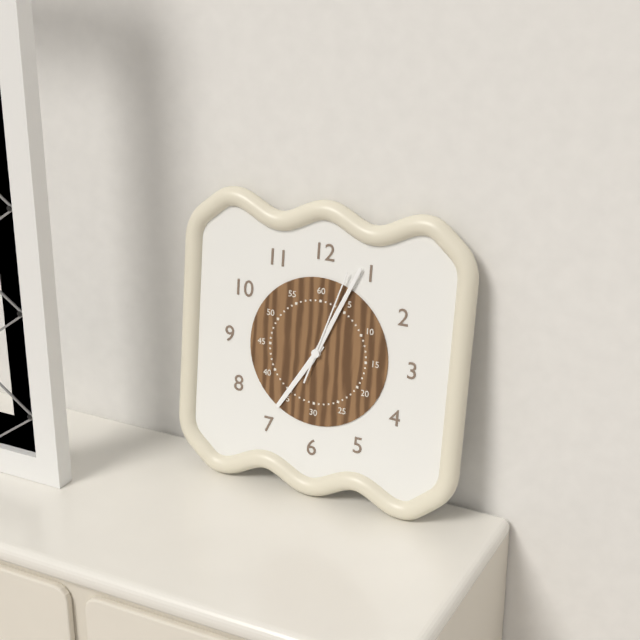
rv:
7.04.03
